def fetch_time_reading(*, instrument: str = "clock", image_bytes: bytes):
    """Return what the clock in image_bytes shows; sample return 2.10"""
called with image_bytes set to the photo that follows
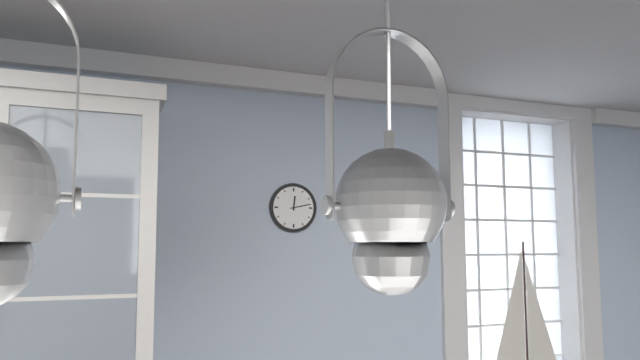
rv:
12.13
